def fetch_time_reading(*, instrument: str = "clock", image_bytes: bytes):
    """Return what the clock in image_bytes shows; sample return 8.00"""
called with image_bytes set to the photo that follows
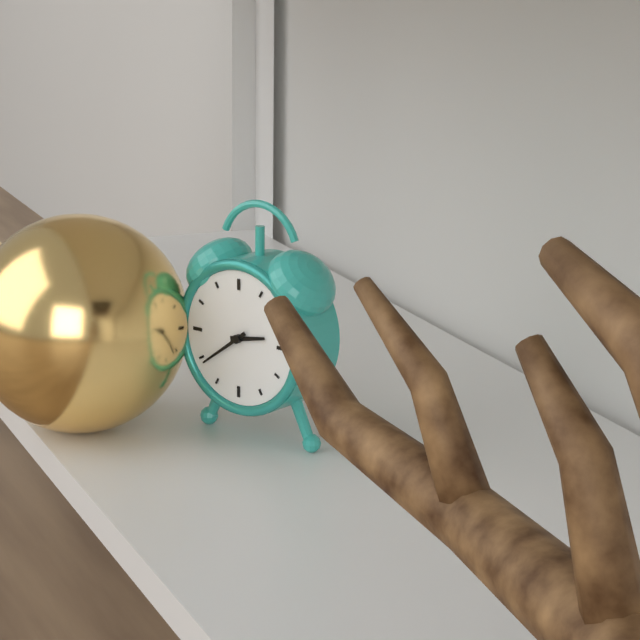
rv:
2.39
